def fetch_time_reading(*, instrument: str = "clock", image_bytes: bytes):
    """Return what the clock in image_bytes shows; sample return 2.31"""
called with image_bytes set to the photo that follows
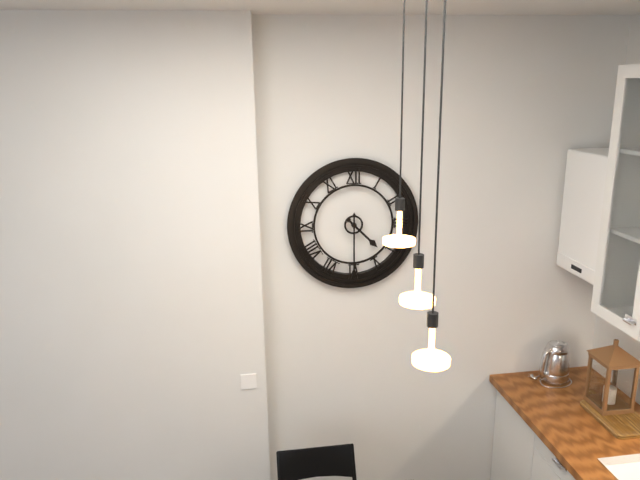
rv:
4.30
